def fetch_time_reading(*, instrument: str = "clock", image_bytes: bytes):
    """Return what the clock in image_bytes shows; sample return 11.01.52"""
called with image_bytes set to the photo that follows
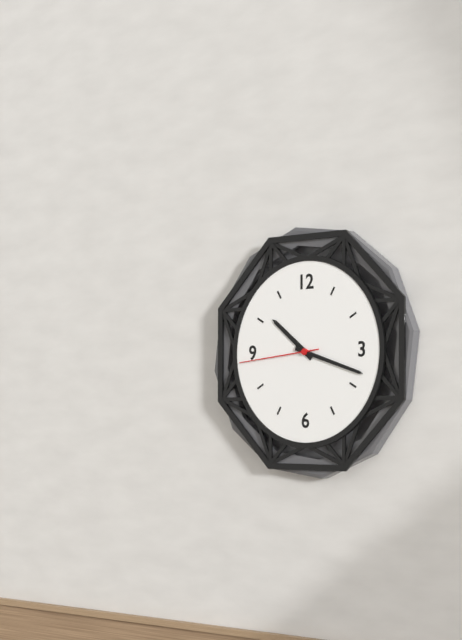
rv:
10.18.44
